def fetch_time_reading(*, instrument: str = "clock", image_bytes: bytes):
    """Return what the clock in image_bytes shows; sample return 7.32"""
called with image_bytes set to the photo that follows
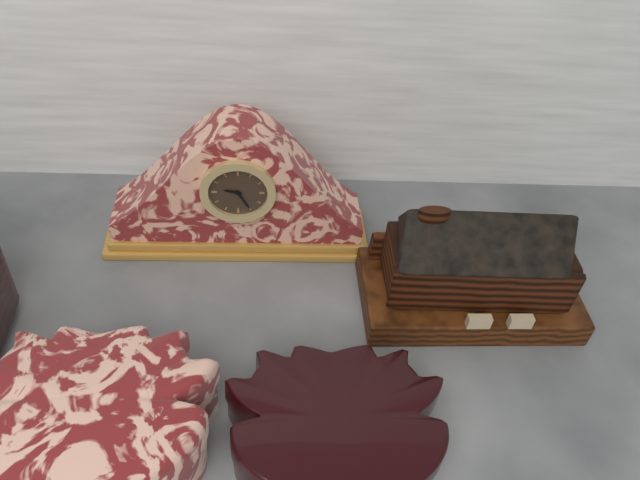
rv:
9.25
